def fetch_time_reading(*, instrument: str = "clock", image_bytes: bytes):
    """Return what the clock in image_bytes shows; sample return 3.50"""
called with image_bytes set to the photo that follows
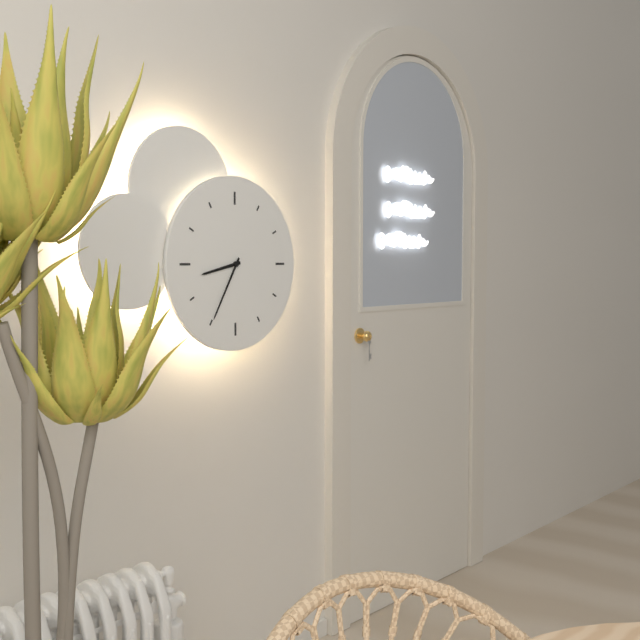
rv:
8.35
